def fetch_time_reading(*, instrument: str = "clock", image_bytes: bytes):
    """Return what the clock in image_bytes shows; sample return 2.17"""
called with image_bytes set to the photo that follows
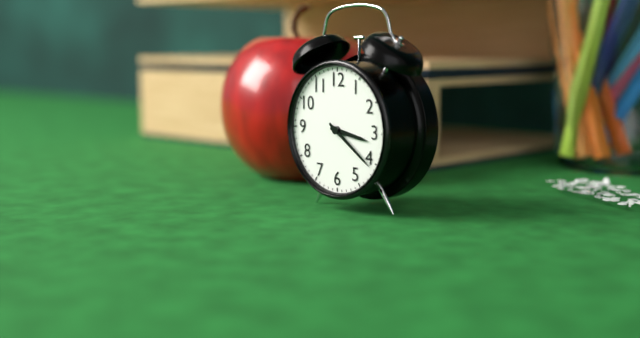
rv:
3.21
